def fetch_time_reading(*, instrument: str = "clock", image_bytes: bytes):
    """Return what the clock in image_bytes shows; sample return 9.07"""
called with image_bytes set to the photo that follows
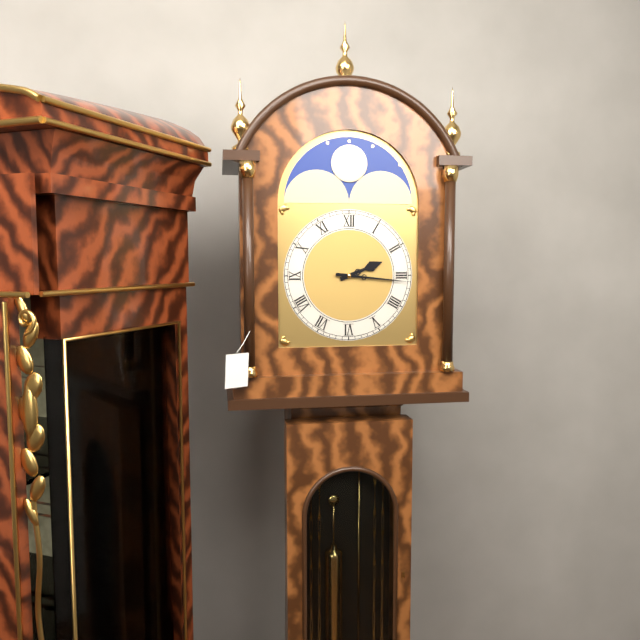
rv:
2.16
